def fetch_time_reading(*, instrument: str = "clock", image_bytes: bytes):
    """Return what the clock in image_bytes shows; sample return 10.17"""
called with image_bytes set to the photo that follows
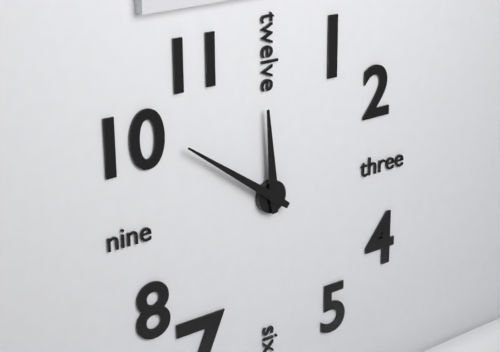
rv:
11.51
